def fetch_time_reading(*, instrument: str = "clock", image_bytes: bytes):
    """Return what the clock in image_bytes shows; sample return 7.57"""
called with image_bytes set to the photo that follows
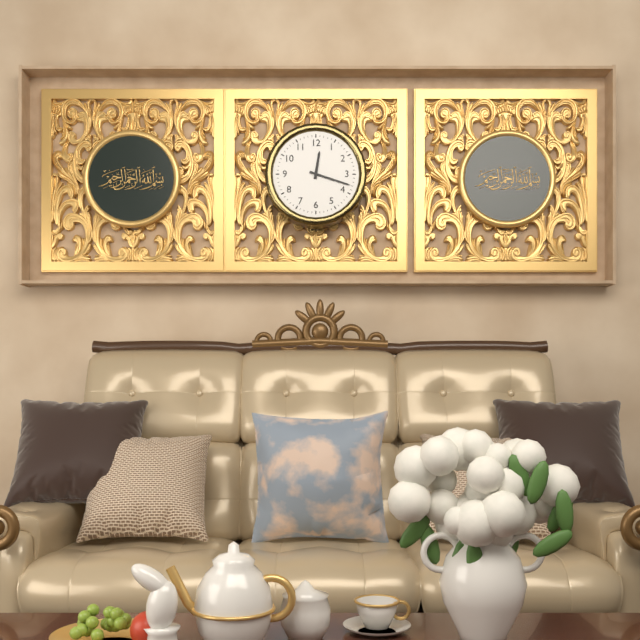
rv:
12.18
